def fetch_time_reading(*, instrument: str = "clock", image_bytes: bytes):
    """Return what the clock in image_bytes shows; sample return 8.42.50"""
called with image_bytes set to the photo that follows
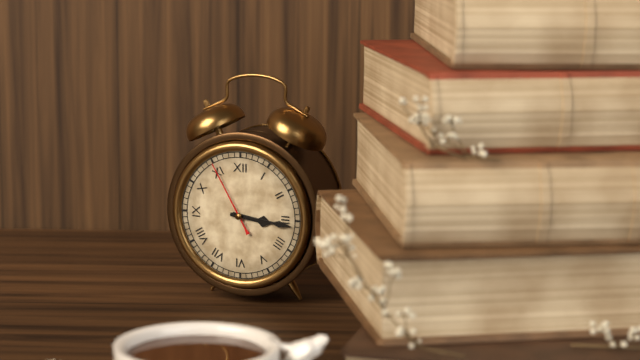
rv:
3.16.55
